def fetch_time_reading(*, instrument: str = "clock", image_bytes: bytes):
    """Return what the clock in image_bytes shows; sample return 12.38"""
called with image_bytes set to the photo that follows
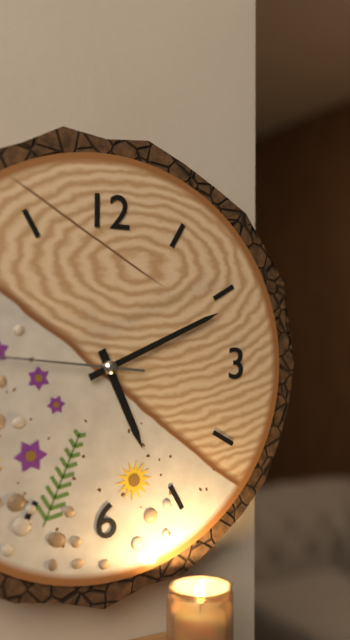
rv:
5.11
